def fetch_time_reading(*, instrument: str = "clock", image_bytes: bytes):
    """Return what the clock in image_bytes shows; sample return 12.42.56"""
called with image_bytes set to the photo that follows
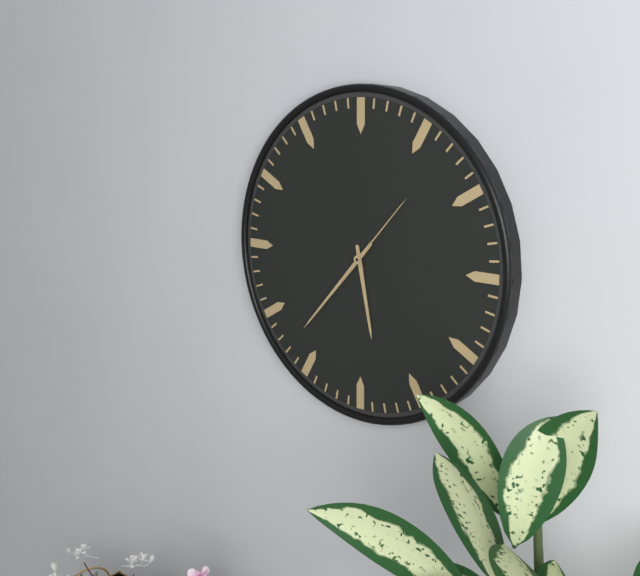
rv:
5.37.07
